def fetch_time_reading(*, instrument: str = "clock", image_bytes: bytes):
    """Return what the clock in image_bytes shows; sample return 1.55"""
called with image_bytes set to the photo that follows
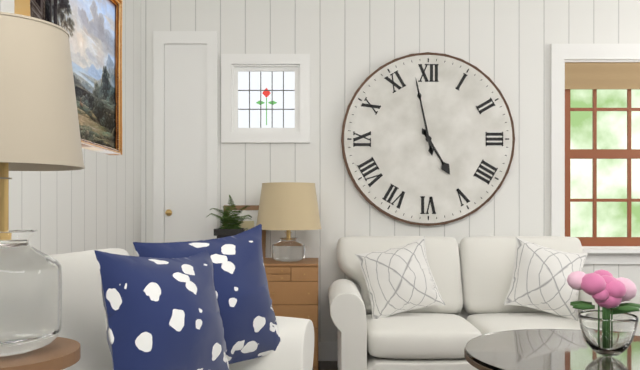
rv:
4.58
